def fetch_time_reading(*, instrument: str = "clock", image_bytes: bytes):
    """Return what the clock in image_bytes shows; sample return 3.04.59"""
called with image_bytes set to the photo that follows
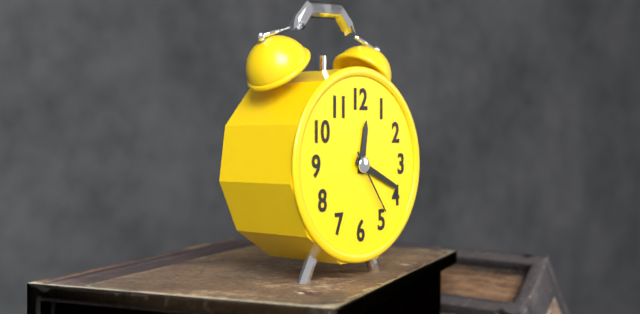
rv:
12.19.24
